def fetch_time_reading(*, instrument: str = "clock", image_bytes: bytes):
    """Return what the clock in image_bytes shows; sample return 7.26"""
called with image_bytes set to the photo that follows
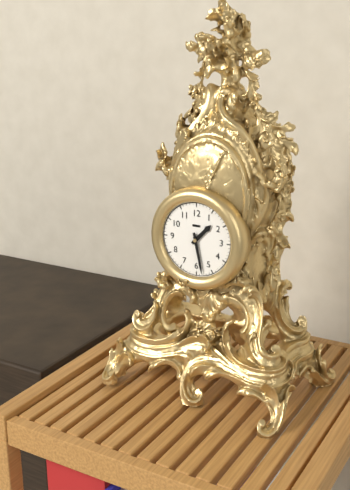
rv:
1.28
